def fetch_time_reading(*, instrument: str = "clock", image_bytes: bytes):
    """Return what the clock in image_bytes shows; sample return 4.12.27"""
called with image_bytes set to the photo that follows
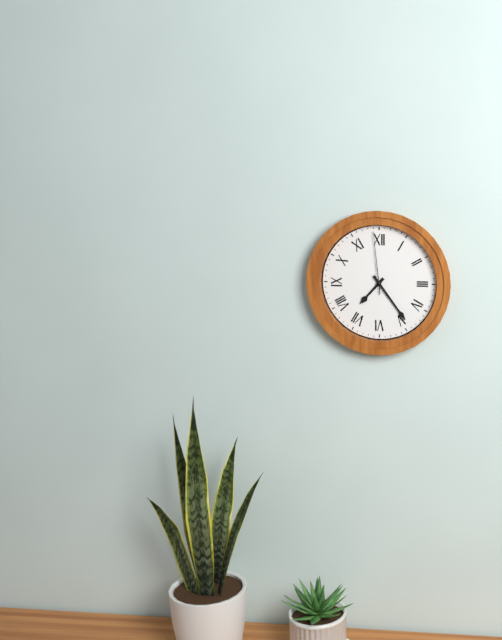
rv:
7.24.59
